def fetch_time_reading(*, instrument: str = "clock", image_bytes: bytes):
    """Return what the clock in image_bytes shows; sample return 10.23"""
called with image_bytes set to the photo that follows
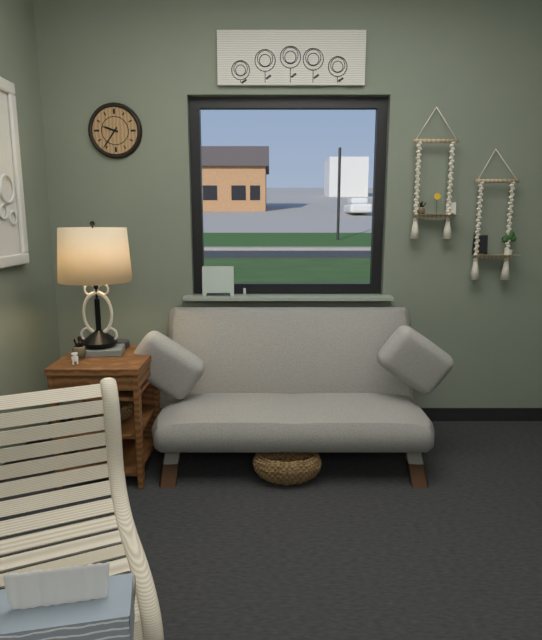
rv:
9.36
